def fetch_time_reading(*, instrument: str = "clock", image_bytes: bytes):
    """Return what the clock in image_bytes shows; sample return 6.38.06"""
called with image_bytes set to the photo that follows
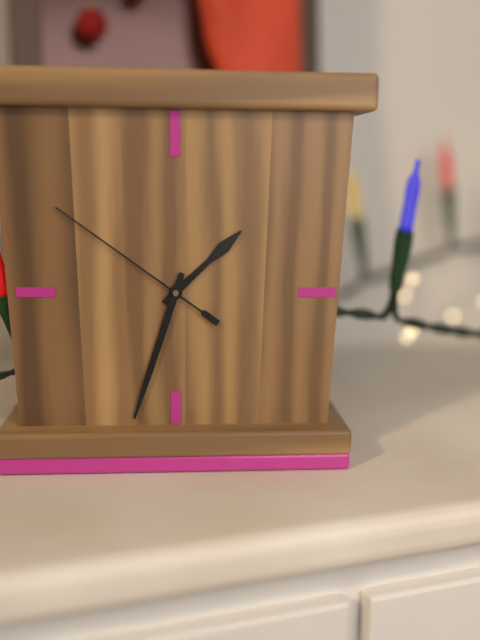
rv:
1.33.51
